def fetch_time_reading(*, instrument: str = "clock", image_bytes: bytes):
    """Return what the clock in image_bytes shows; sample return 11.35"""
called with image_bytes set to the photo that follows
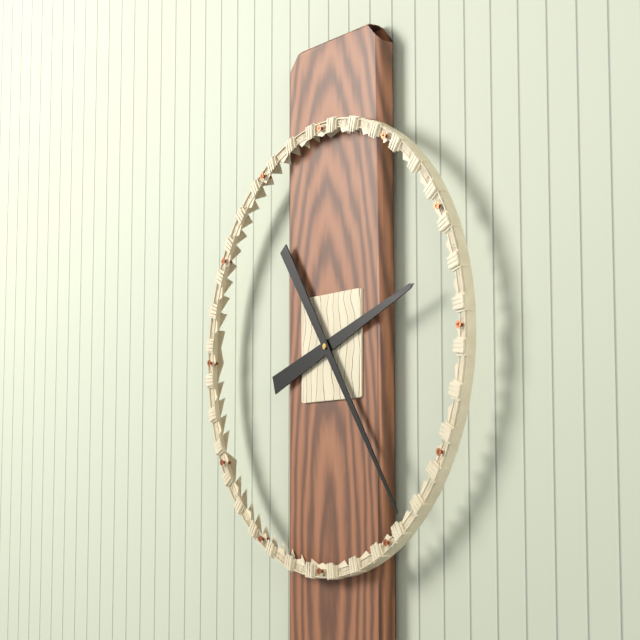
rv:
2.24
